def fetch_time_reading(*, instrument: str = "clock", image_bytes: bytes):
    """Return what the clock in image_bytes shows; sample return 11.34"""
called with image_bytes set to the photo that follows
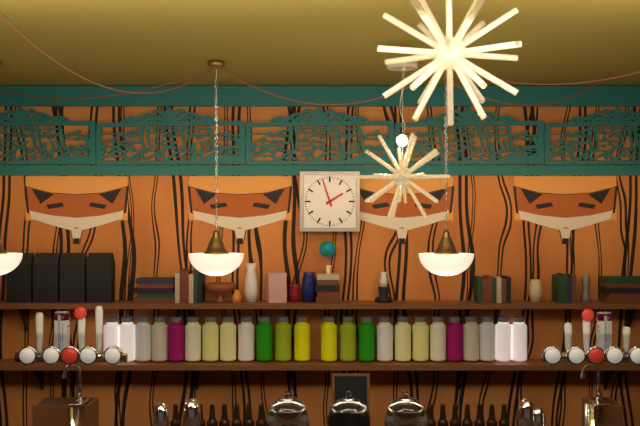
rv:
1.57
